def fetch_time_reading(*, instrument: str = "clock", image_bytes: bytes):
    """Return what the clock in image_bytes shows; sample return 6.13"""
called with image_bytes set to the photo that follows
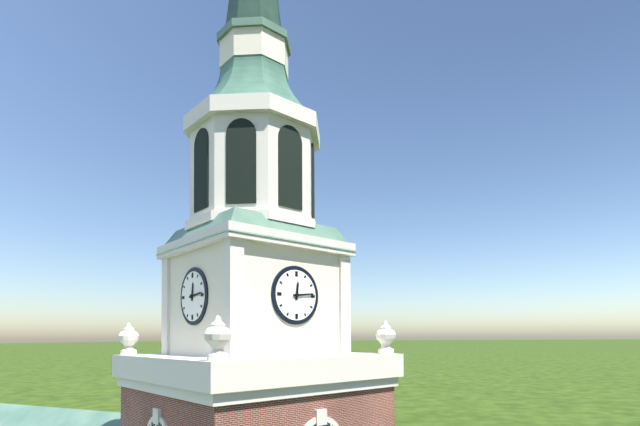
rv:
12.14
